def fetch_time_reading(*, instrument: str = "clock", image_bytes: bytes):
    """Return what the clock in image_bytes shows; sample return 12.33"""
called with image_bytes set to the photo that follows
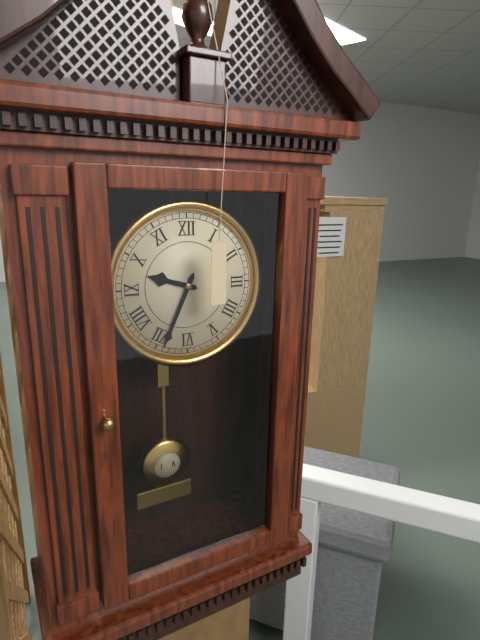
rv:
9.34
